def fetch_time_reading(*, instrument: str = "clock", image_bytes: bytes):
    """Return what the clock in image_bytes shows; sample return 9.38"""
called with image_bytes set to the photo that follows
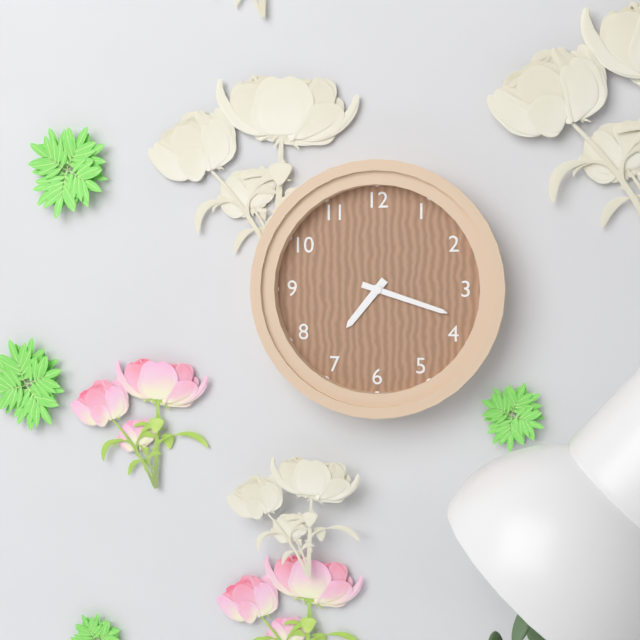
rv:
7.18
